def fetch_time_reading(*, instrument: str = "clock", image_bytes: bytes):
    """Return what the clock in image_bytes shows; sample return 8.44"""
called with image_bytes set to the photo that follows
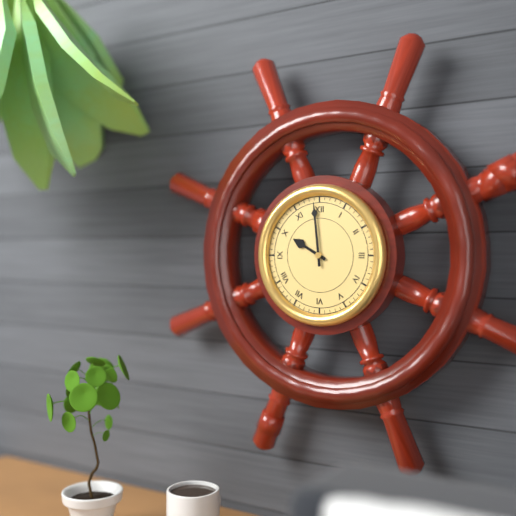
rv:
9.59
